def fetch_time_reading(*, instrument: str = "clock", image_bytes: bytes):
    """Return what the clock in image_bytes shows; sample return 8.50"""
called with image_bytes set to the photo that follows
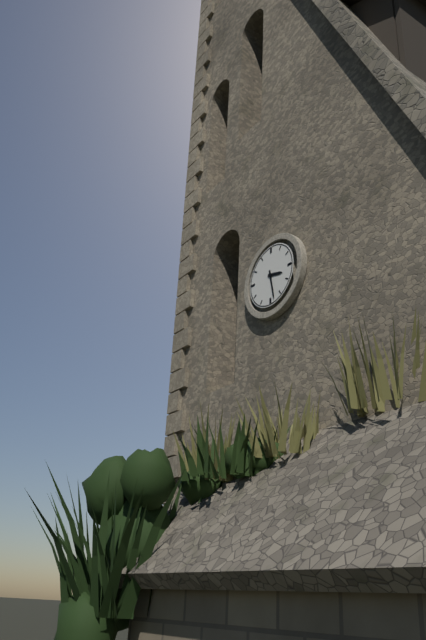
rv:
3.28
